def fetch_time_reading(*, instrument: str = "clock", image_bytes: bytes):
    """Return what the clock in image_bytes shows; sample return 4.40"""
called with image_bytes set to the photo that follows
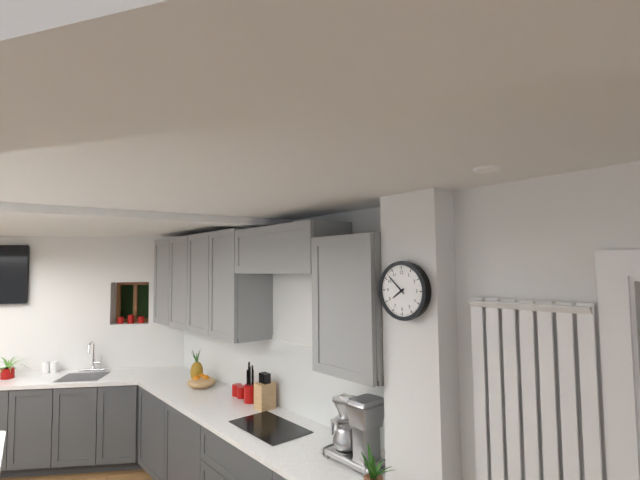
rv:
7.52
